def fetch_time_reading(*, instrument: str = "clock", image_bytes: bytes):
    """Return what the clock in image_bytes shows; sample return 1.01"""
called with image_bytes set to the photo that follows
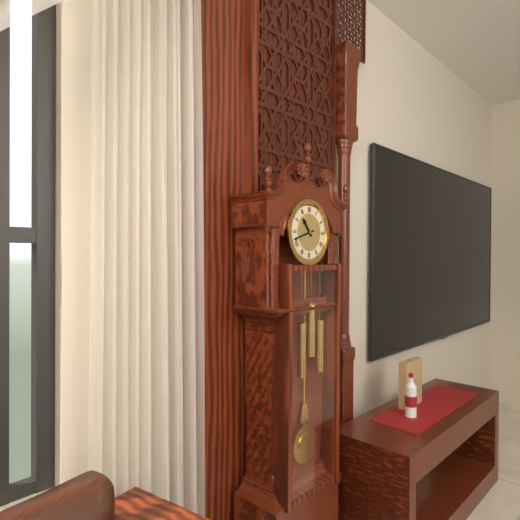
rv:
10.42
